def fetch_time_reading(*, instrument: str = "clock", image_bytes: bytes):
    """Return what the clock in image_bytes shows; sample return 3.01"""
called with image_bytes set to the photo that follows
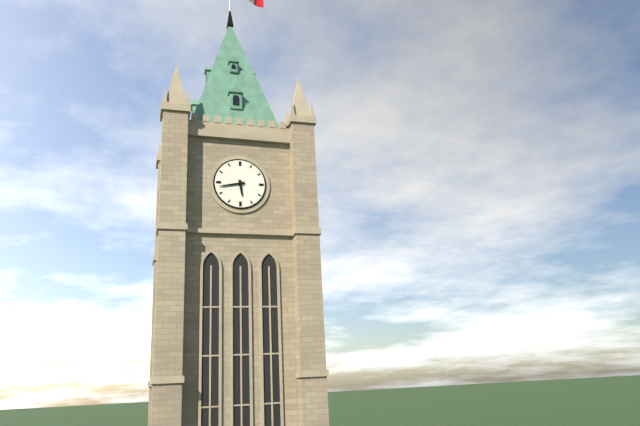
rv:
5.43
